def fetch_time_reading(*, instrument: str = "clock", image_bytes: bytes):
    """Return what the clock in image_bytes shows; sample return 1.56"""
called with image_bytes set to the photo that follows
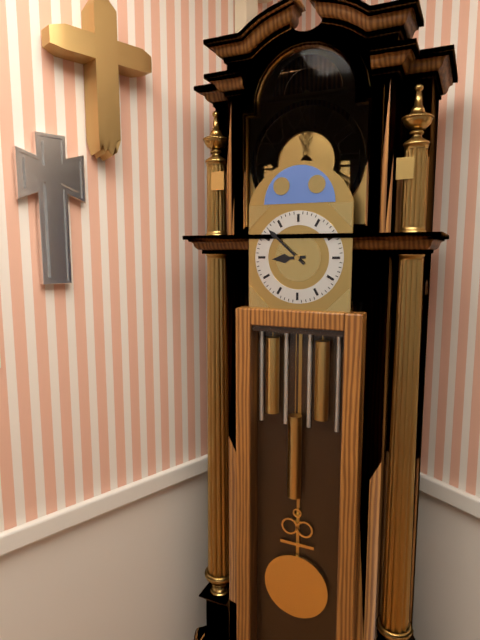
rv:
8.52
